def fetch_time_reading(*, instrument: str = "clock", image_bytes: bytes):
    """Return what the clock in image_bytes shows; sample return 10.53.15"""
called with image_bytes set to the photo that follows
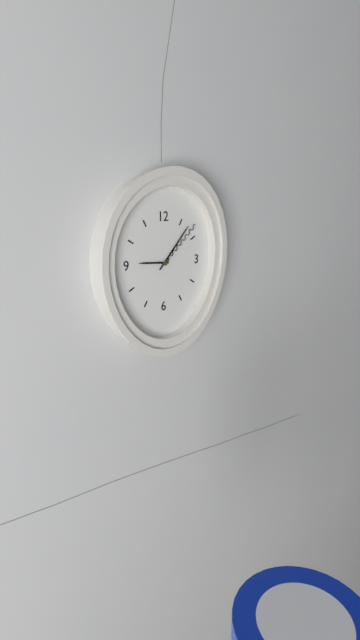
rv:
9.07.08
